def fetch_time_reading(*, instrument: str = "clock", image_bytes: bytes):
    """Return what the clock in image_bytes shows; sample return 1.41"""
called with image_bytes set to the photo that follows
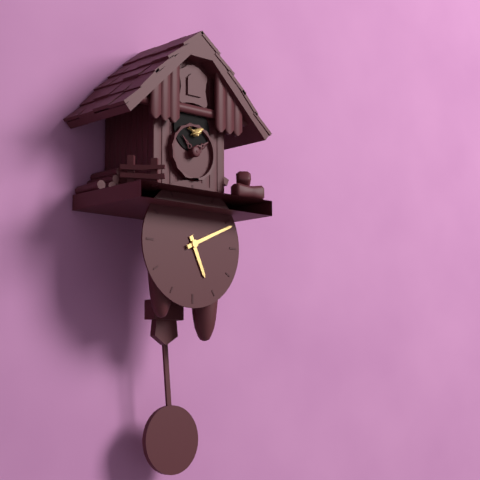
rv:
5.11
